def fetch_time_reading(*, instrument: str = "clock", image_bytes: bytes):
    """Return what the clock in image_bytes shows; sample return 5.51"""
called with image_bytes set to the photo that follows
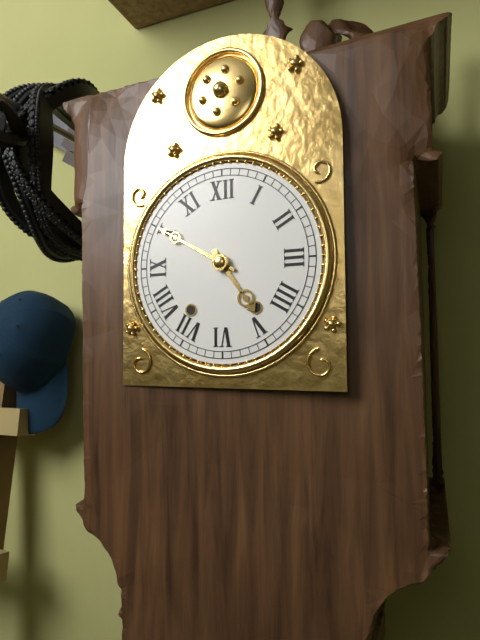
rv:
4.50
